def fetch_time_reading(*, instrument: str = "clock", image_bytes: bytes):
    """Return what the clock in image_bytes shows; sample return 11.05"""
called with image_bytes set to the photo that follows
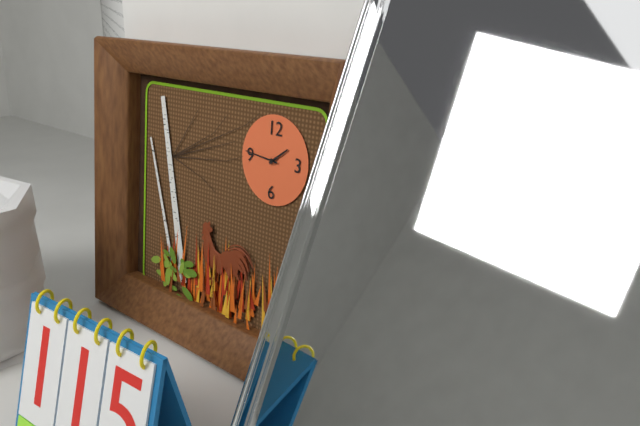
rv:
1.46
